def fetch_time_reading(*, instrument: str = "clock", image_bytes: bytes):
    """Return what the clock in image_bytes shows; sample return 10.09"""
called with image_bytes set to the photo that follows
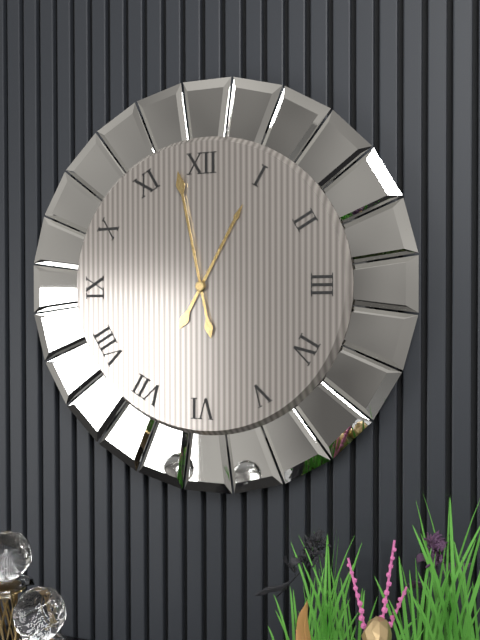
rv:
12.58
